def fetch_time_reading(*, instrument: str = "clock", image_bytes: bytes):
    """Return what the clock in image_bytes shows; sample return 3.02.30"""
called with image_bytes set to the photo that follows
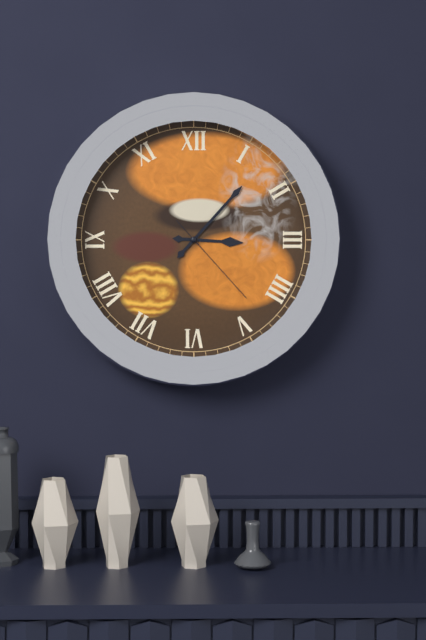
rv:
3.07.23
